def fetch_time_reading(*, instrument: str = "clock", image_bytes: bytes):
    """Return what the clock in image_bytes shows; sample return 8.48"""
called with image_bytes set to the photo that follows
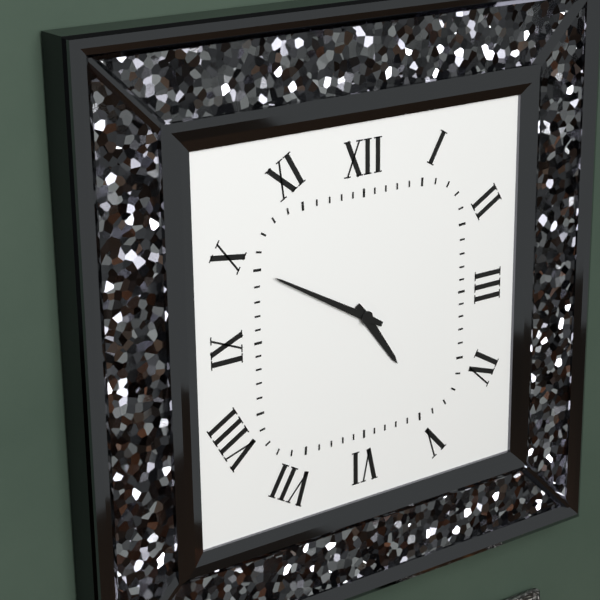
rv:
4.50
